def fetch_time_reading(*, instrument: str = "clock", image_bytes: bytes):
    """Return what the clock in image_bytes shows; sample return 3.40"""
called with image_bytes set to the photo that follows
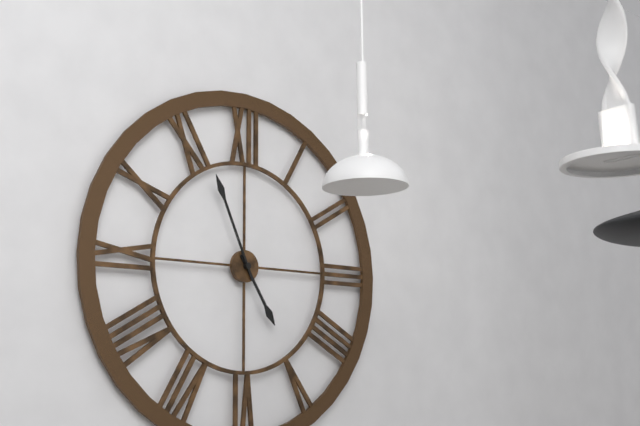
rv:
4.56
